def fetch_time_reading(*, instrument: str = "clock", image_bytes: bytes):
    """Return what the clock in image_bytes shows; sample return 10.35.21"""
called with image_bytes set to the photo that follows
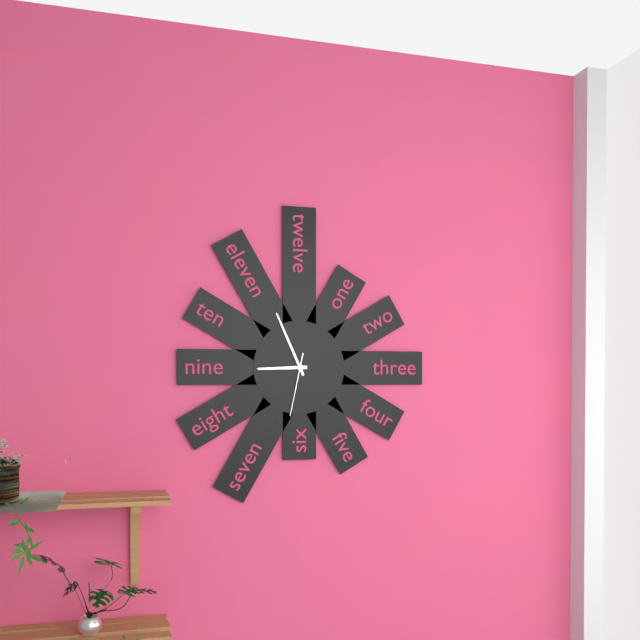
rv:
8.56.32
